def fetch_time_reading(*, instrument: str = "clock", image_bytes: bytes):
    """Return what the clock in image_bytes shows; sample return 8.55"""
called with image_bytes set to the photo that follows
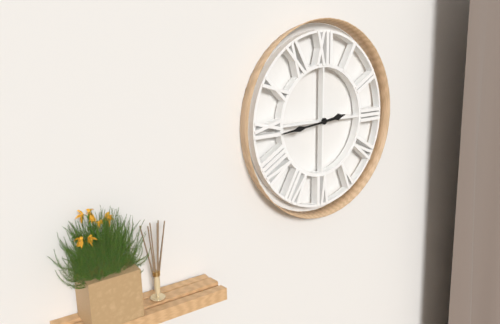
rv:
2.44
